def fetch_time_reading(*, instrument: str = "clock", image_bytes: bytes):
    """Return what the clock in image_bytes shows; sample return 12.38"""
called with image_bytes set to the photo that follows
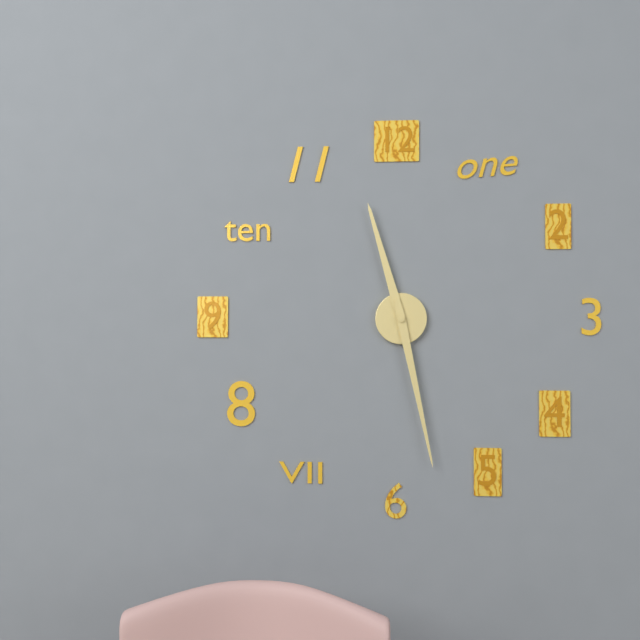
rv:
11.28
